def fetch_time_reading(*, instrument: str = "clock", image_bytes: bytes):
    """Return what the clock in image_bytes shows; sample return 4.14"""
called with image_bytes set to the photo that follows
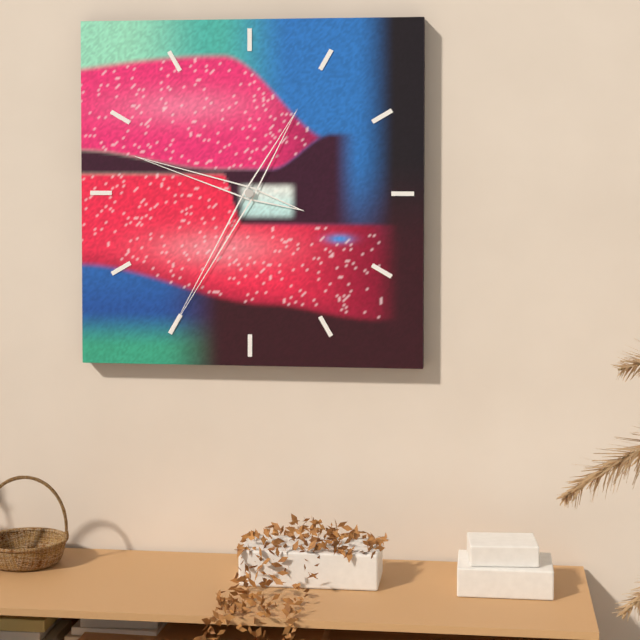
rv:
9.35
